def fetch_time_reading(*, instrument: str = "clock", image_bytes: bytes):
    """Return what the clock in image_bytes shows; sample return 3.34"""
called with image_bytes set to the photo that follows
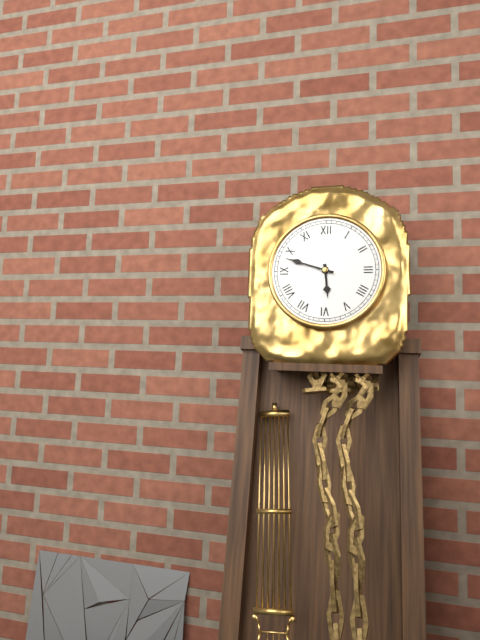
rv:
5.48
